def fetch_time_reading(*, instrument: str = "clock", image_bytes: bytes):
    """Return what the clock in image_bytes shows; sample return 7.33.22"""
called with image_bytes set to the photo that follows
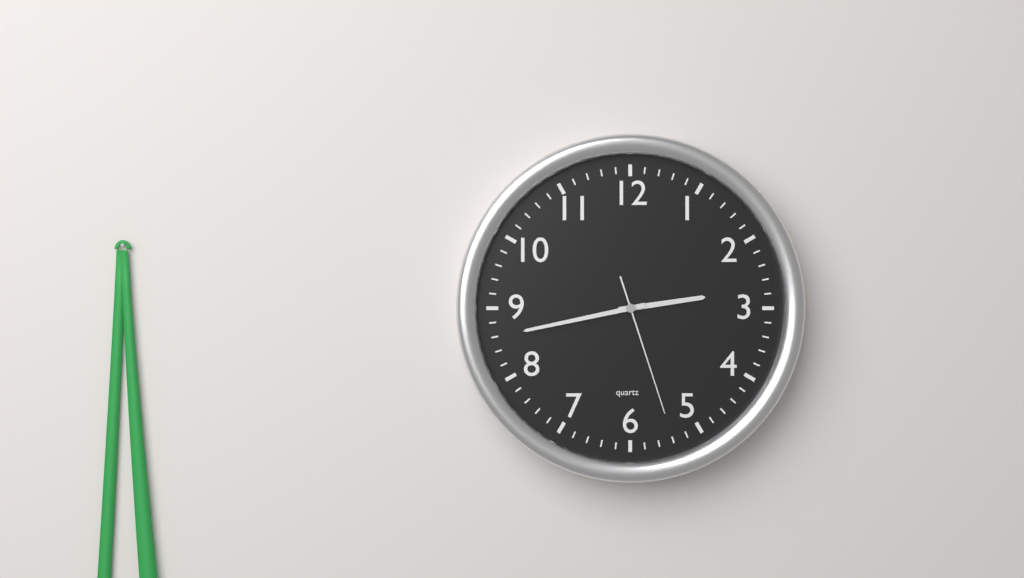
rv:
2.43.27
